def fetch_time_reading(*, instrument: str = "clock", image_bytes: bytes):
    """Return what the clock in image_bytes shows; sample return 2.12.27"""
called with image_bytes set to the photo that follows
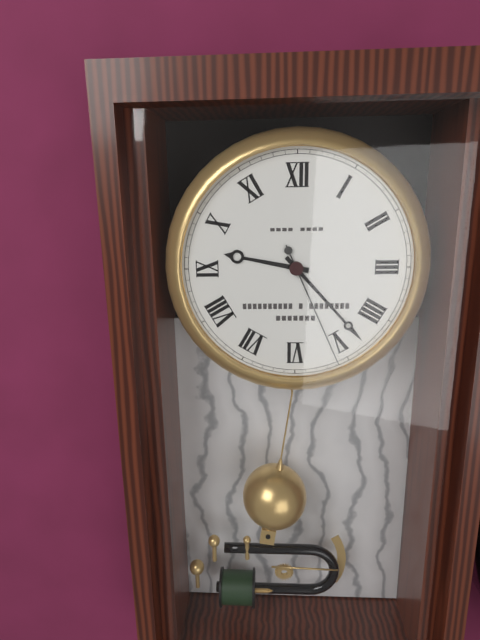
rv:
9.23.26
